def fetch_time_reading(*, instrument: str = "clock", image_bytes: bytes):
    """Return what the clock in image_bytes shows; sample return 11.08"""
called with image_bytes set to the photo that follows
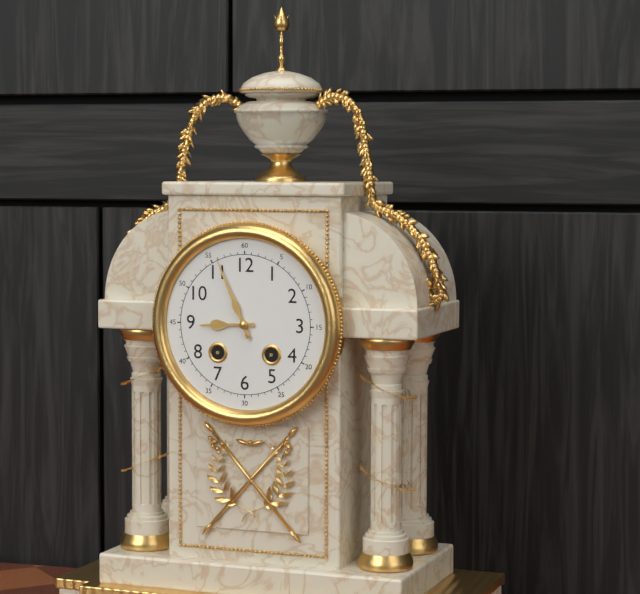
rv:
8.56
